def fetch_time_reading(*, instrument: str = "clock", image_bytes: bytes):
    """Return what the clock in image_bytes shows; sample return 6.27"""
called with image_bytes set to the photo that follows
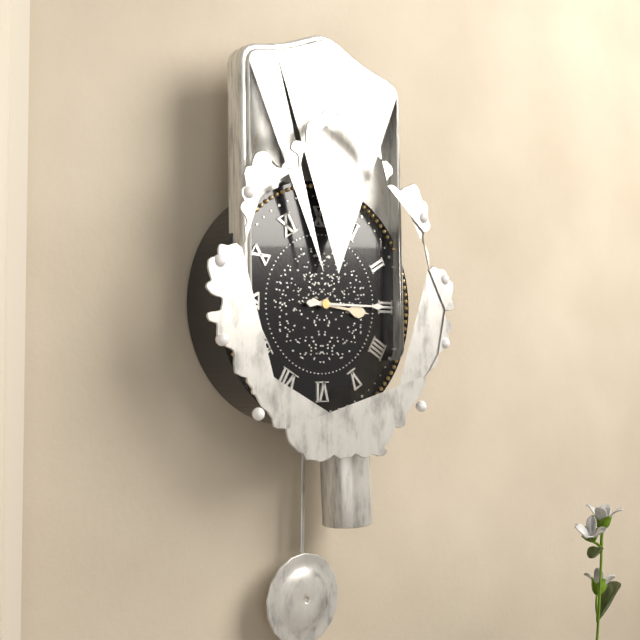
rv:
3.15
